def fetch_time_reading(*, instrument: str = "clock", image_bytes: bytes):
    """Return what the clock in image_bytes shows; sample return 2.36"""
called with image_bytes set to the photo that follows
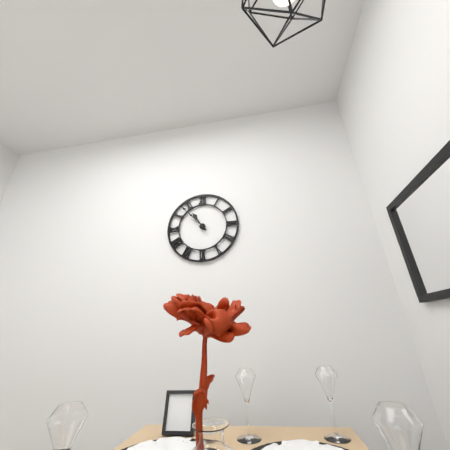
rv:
10.53
